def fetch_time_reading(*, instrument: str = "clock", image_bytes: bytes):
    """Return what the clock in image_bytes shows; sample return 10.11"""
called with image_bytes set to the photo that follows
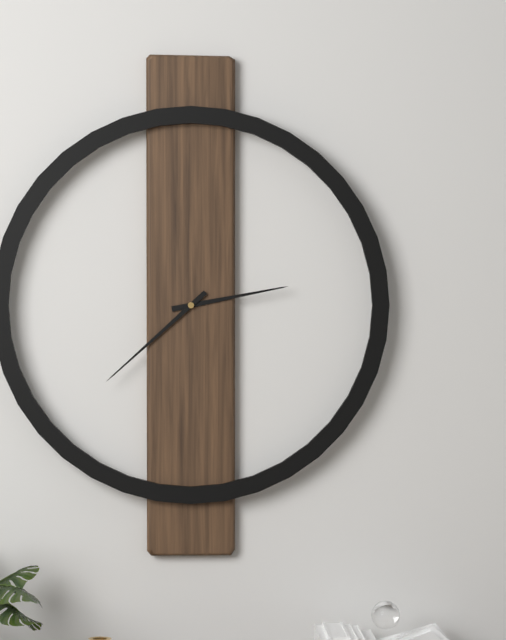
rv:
2.38
